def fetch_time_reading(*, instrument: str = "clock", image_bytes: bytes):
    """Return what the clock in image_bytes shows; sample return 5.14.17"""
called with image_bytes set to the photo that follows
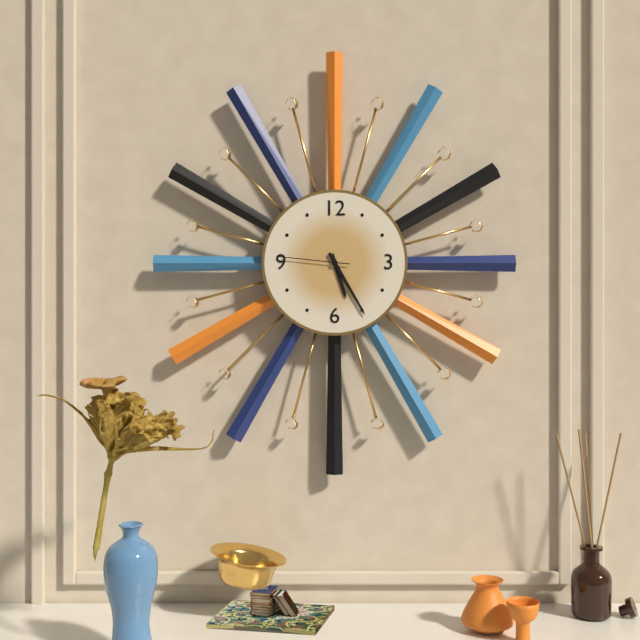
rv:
5.25.46
